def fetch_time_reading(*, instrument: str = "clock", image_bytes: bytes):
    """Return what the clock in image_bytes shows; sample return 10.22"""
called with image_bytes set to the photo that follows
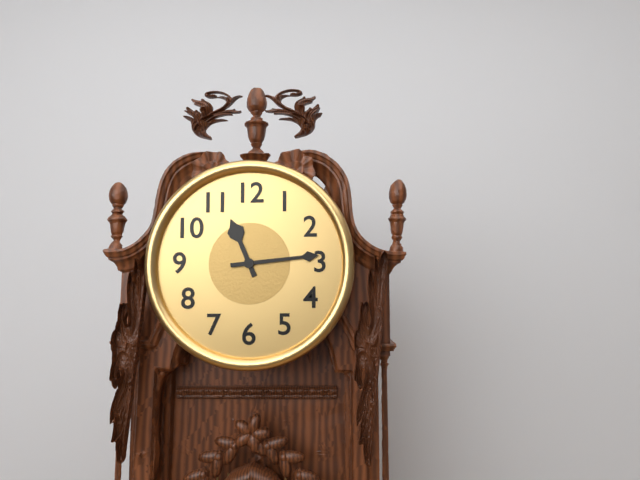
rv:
11.14
